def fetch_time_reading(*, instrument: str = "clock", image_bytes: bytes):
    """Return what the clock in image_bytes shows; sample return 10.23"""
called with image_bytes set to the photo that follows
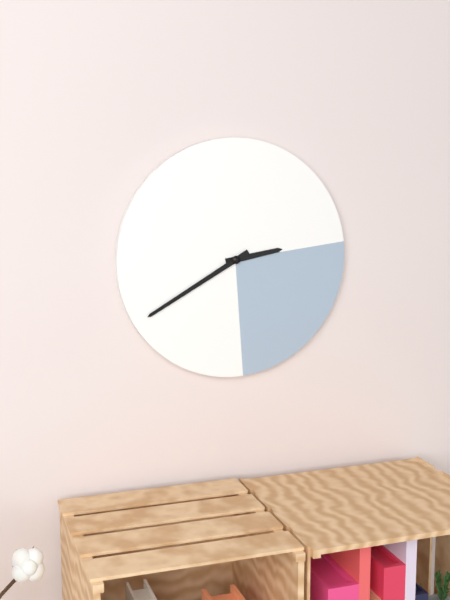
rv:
2.40
